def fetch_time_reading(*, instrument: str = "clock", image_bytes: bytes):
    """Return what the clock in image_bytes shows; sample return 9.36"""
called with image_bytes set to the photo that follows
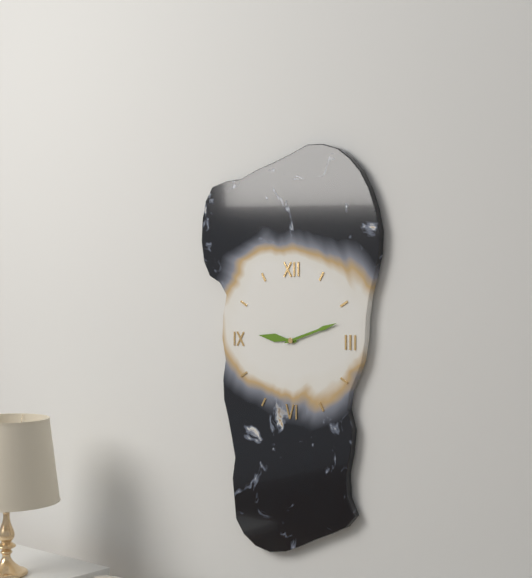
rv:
9.12
